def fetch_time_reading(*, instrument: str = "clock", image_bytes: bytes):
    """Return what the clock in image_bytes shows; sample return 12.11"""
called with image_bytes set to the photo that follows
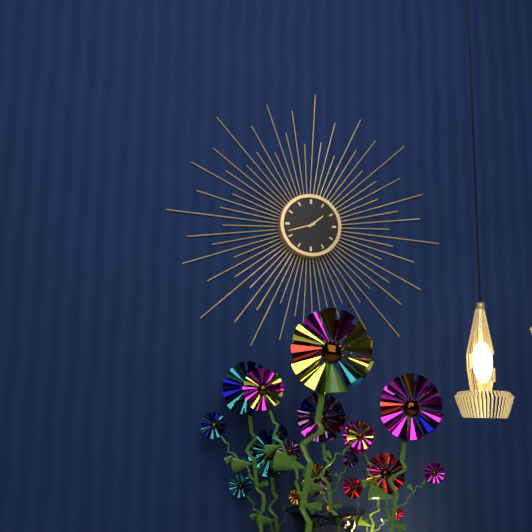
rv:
1.42
